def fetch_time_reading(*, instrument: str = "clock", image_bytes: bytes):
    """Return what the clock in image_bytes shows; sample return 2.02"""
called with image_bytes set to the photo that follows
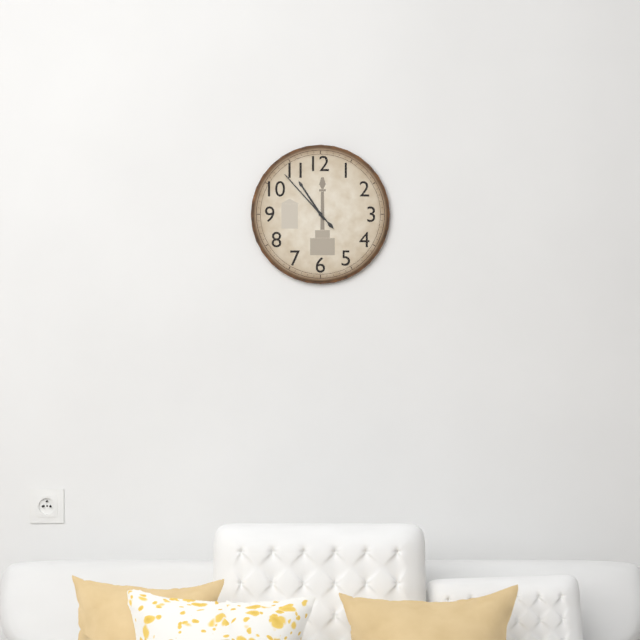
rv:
10.53
